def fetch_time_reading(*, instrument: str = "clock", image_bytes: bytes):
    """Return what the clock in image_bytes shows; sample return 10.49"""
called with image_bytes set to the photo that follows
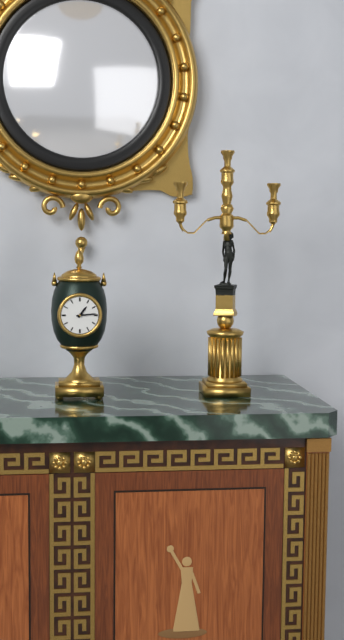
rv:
1.14
